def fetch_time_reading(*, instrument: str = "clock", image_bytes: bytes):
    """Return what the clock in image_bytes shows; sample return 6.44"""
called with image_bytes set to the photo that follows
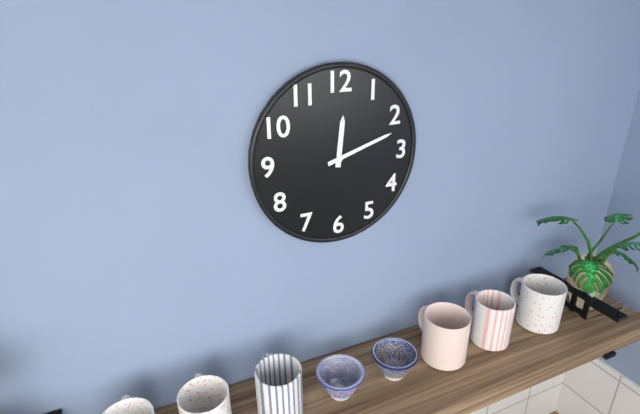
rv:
12.12
